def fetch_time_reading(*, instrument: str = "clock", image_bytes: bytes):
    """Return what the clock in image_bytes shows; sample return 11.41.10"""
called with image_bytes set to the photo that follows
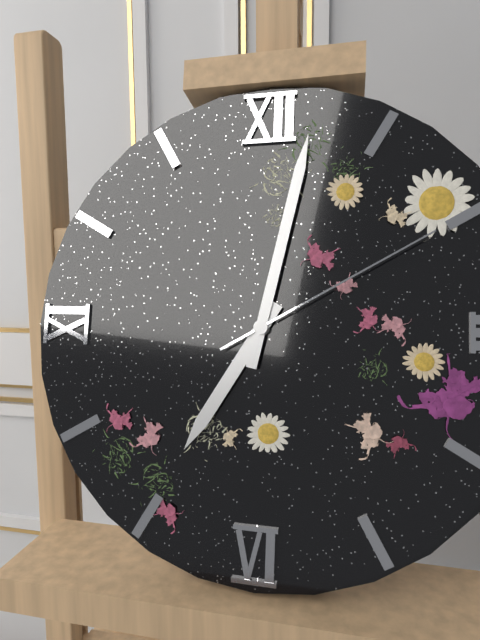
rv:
7.02.10
